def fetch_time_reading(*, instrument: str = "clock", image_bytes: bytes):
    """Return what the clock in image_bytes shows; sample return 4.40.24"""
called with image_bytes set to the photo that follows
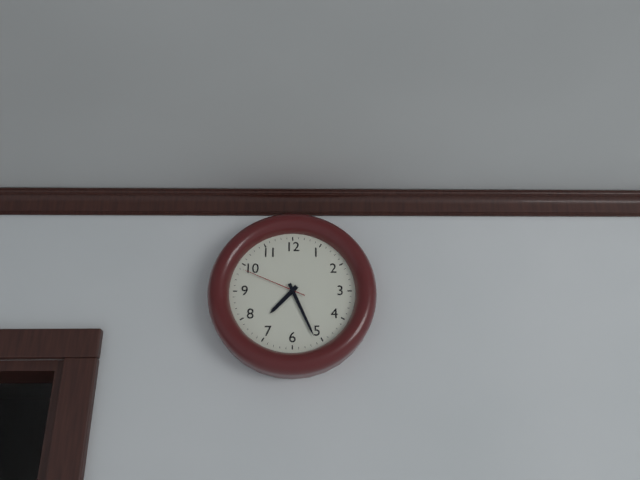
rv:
7.26.49
